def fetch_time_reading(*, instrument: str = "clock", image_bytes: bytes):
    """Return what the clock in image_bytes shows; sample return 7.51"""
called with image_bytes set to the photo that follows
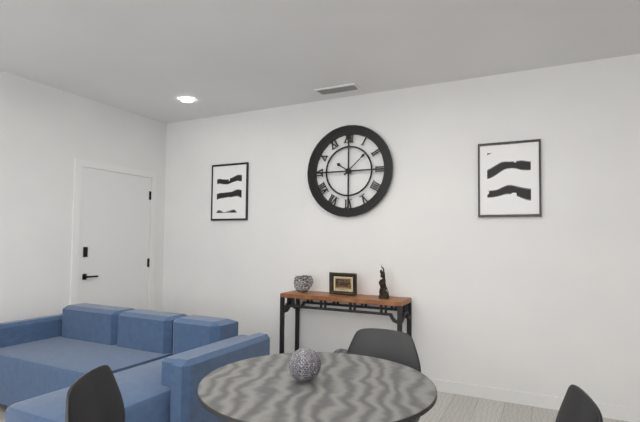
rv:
10.08
